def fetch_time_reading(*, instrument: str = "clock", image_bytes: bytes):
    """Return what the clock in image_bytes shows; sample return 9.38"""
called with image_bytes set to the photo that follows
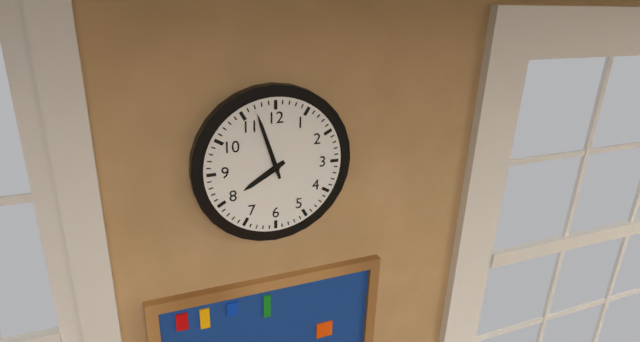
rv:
7.57
